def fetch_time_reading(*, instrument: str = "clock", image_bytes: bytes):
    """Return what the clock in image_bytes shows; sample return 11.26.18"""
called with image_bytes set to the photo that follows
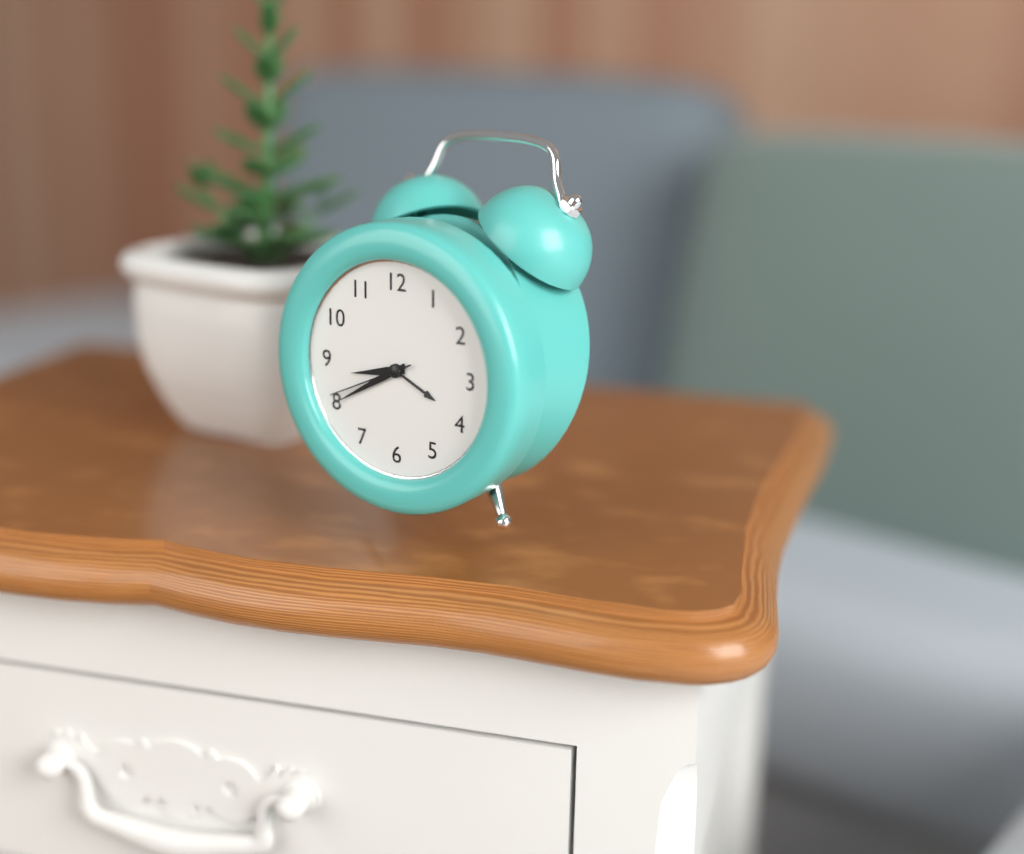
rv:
8.40.41
